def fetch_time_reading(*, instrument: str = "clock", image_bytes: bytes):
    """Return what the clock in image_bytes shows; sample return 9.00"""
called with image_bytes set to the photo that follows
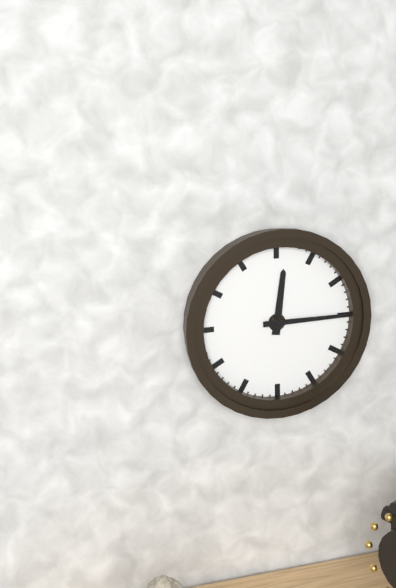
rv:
12.15
